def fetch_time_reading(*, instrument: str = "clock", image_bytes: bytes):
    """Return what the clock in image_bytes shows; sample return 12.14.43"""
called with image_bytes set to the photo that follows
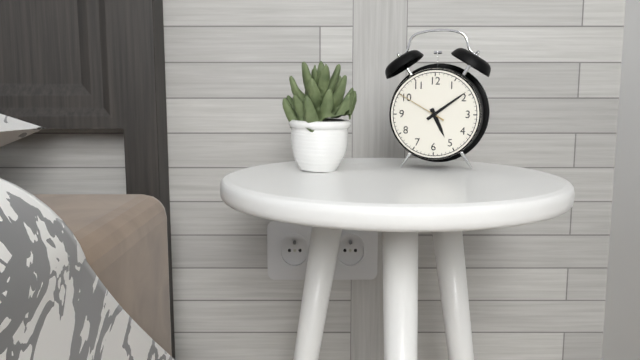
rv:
5.09.50
